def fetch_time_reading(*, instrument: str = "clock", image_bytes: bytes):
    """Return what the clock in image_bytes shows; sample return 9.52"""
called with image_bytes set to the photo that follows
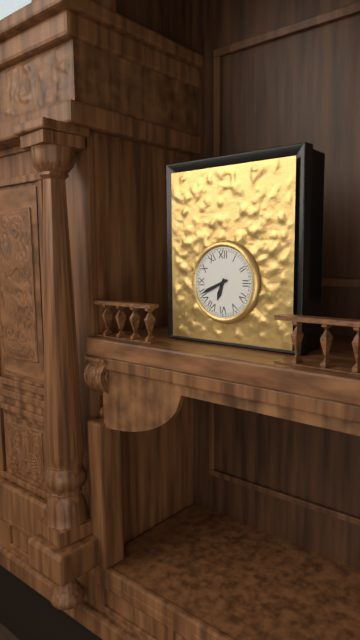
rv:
6.41
